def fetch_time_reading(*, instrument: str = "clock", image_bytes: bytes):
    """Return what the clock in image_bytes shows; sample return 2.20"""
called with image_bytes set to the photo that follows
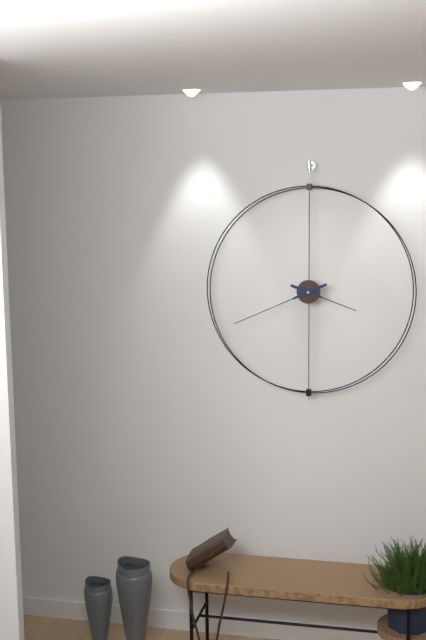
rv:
3.41
